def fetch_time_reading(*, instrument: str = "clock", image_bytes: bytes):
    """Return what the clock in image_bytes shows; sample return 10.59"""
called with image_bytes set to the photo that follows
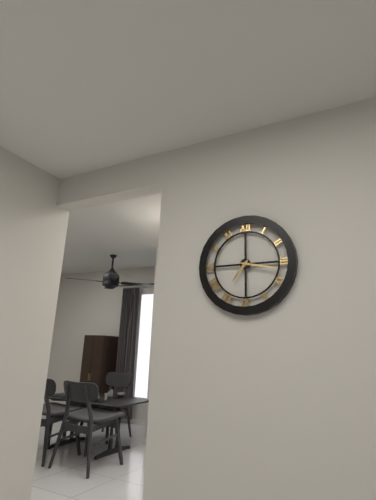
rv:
7.17
